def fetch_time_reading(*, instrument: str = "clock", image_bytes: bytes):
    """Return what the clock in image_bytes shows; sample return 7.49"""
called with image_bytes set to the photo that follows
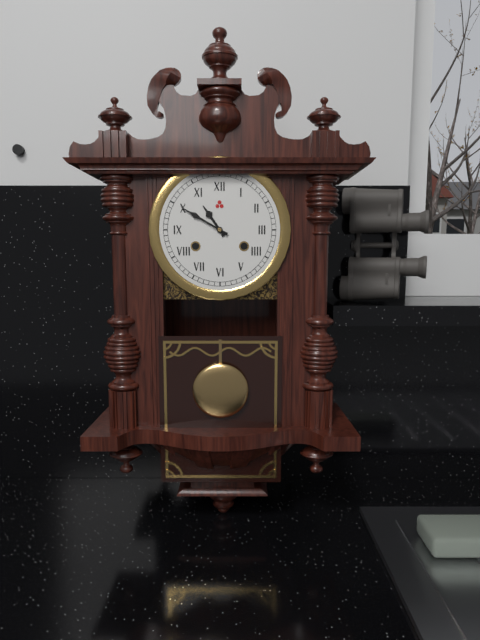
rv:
10.50
